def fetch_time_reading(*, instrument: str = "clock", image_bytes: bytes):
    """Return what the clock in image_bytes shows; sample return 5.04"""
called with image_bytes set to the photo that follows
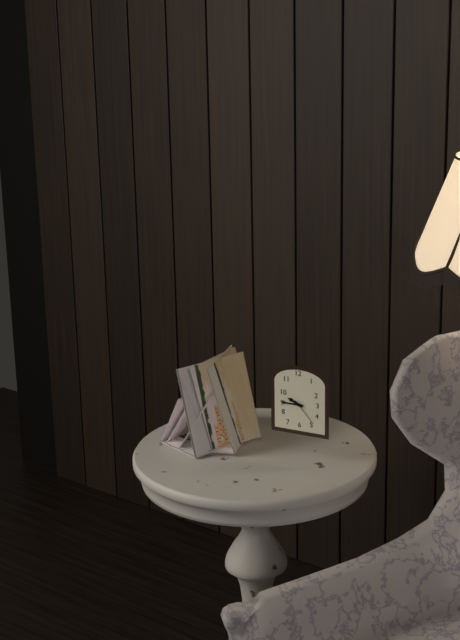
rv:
9.45
